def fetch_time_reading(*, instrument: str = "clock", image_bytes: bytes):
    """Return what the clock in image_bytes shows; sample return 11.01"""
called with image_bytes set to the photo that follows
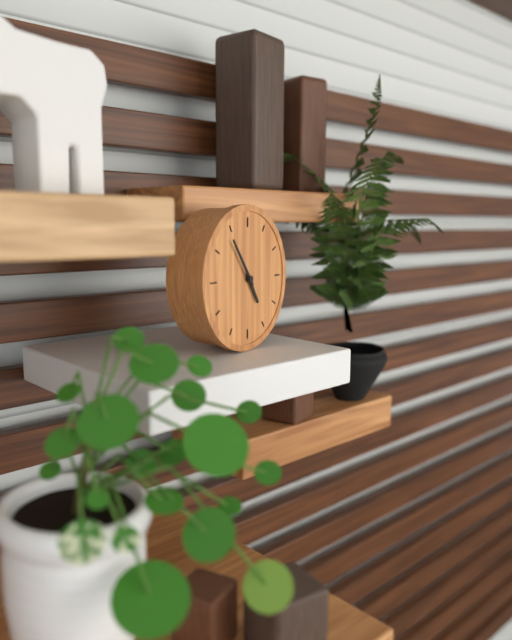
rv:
4.54
